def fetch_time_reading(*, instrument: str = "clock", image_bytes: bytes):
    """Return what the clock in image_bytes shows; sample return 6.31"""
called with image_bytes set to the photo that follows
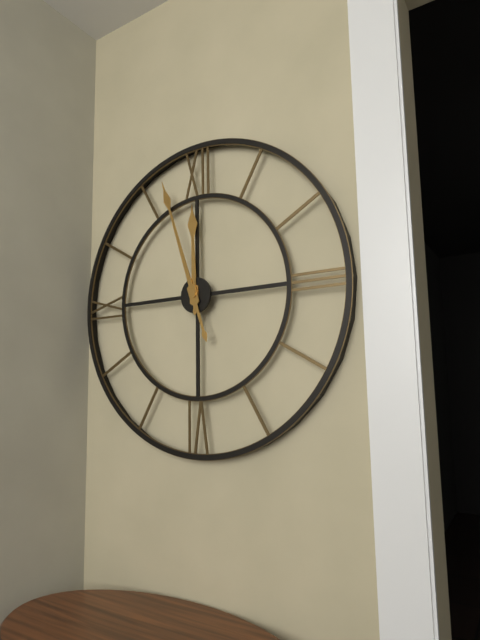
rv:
11.57
